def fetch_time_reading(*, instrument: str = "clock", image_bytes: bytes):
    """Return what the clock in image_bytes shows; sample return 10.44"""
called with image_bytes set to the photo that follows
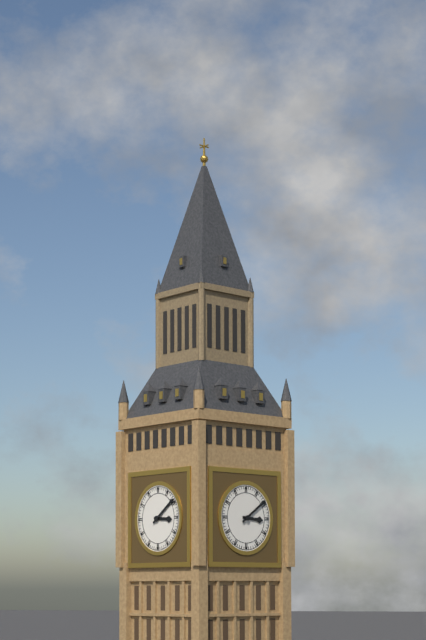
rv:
3.09
